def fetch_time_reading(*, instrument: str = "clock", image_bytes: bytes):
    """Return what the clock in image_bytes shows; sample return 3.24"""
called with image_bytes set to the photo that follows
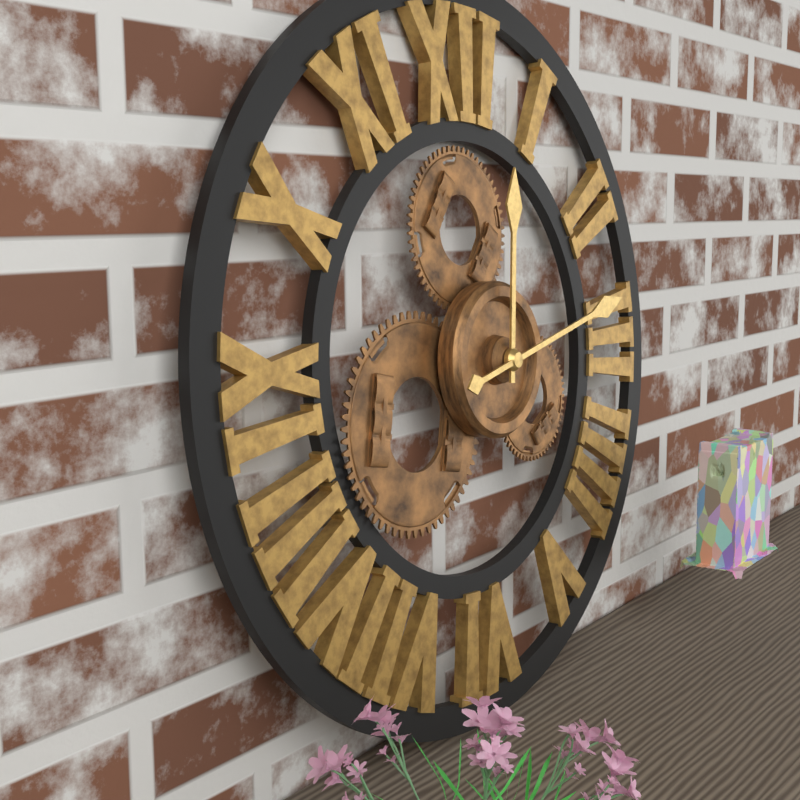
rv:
12.13
